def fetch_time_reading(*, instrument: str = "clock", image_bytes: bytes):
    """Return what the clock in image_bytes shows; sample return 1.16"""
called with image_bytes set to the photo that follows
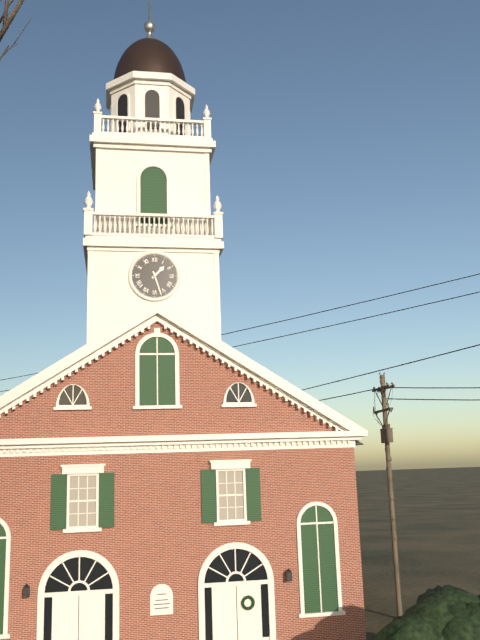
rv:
1.27
